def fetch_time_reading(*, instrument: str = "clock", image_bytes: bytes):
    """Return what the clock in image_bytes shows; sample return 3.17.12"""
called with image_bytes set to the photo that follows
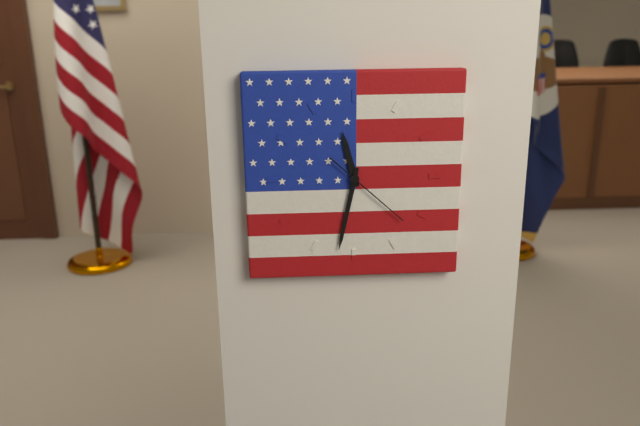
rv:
11.32.22
